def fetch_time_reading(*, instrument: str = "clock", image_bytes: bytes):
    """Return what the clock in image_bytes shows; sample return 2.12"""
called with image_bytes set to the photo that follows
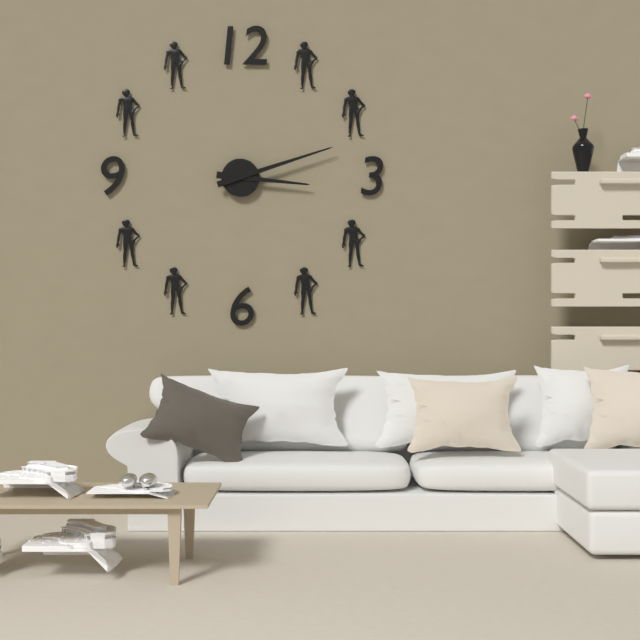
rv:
3.12
